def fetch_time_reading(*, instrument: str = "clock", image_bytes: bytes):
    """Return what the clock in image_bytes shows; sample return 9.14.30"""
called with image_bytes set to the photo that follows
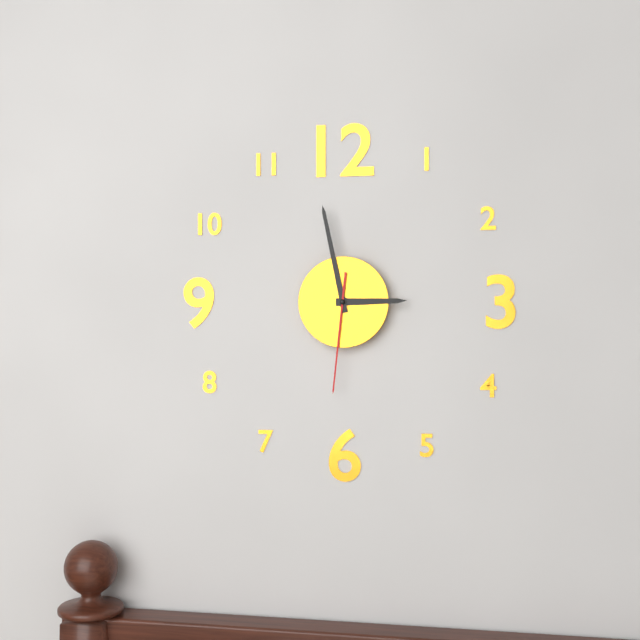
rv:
2.58.31
